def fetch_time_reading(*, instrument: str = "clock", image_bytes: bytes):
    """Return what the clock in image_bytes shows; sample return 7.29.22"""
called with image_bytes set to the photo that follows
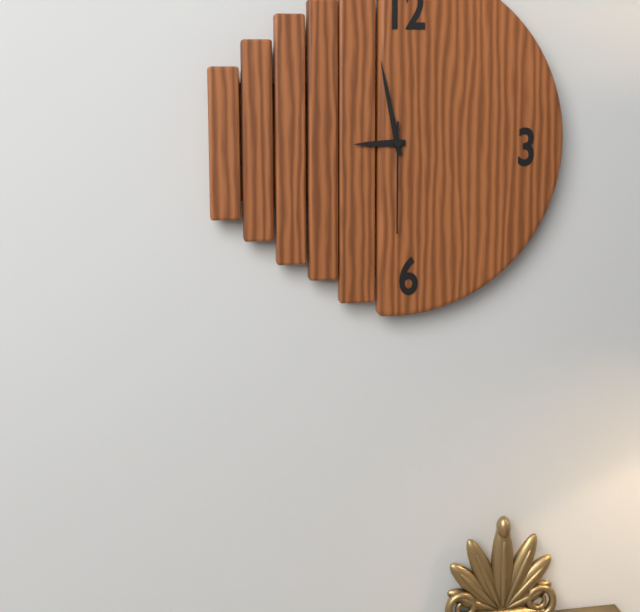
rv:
8.58.30
